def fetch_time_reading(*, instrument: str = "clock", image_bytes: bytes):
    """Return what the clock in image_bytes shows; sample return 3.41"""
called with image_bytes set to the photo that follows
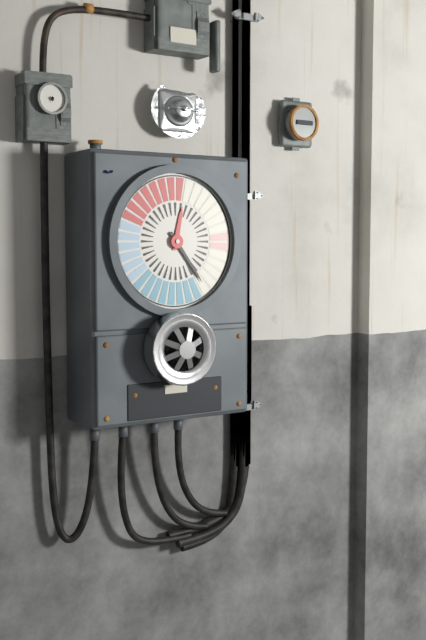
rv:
12.24
